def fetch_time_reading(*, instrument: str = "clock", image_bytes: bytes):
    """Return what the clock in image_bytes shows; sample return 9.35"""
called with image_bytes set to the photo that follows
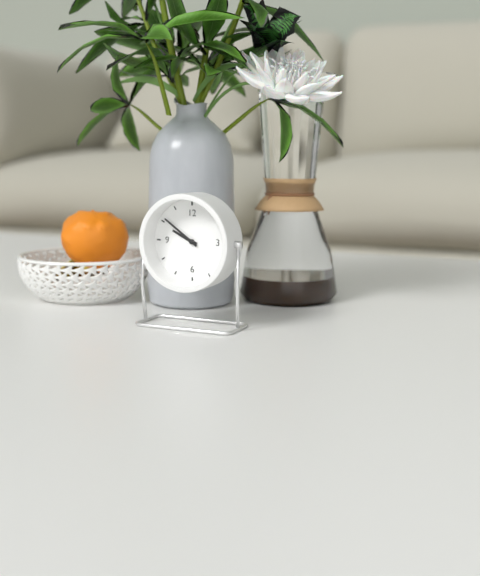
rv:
9.51
